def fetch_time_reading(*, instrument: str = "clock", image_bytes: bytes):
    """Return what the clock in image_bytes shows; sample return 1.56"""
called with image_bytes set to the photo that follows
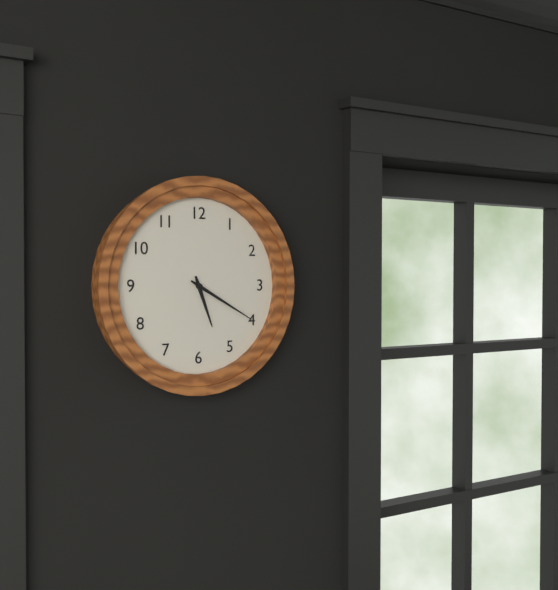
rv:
5.20
